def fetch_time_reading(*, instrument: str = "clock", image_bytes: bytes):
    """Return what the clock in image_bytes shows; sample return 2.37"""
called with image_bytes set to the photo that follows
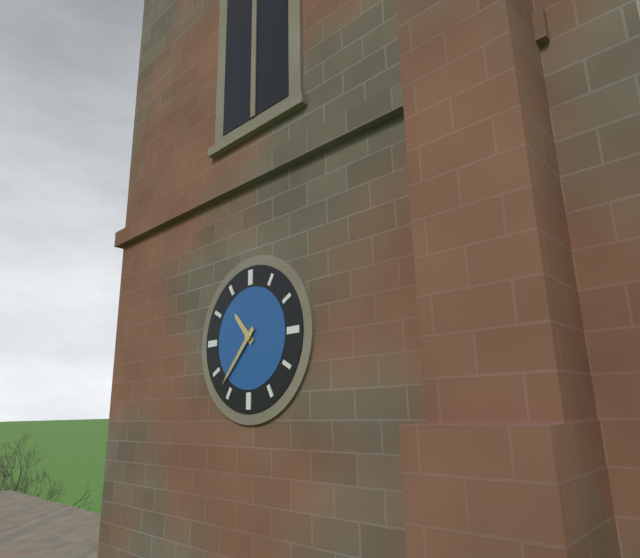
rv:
10.37
